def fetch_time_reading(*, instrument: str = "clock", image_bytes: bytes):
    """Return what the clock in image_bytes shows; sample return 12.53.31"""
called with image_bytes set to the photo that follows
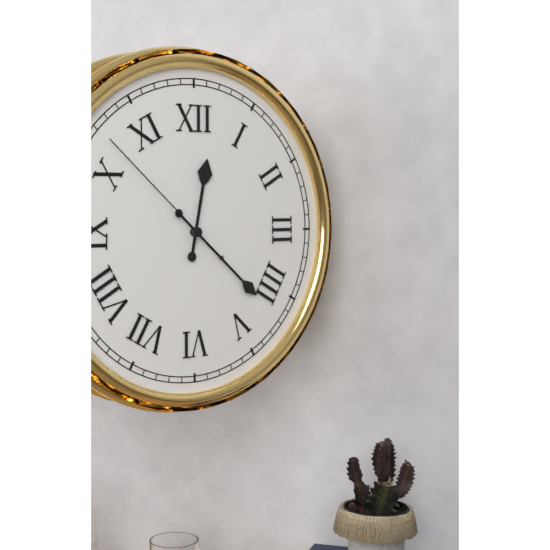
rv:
12.22.52
